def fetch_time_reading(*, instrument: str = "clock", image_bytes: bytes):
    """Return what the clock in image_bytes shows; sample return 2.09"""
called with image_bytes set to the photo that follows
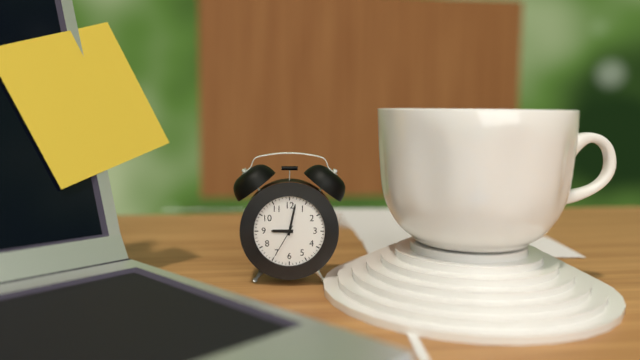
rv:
9.02
